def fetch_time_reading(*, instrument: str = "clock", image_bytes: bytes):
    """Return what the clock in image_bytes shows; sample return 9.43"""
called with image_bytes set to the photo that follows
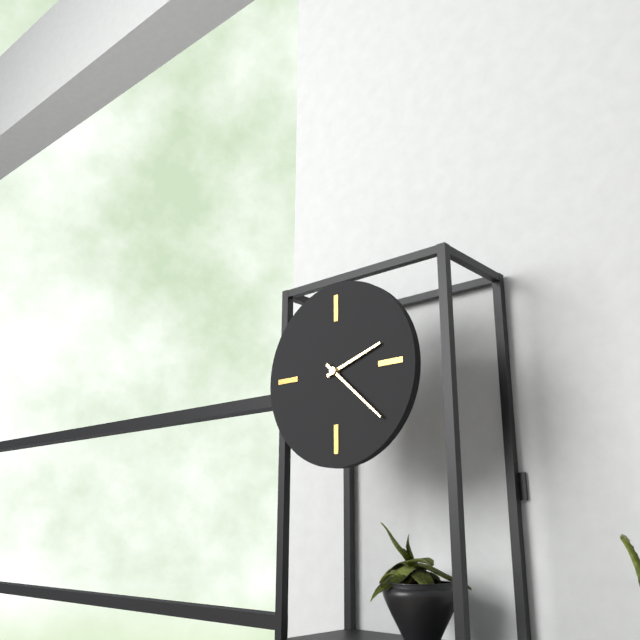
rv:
2.22
